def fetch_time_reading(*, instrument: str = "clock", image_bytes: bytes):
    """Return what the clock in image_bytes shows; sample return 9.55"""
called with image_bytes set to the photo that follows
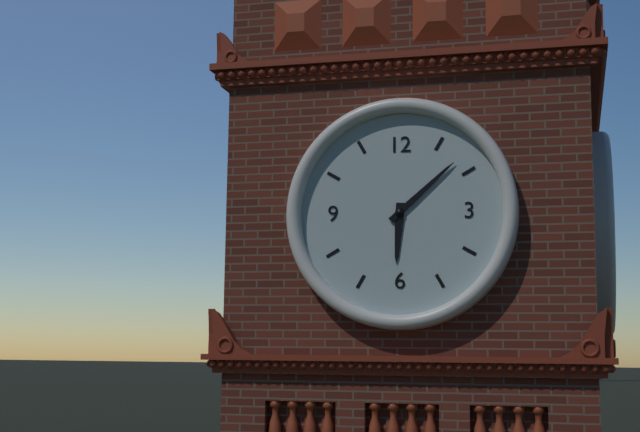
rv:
6.08
